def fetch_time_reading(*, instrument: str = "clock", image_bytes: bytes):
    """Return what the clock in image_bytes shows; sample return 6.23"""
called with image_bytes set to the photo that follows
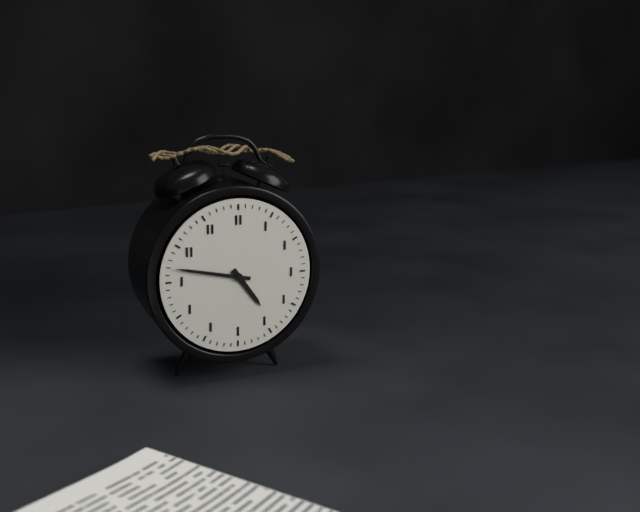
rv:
4.47
